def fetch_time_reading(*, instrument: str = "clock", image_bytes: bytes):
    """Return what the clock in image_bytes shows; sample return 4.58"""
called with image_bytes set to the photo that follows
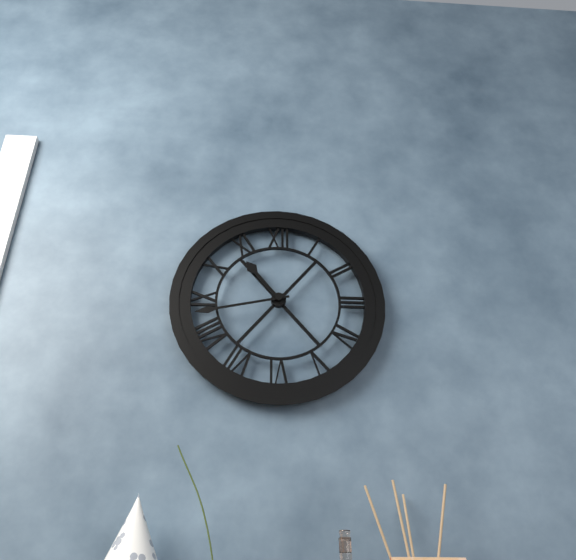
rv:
10.43
